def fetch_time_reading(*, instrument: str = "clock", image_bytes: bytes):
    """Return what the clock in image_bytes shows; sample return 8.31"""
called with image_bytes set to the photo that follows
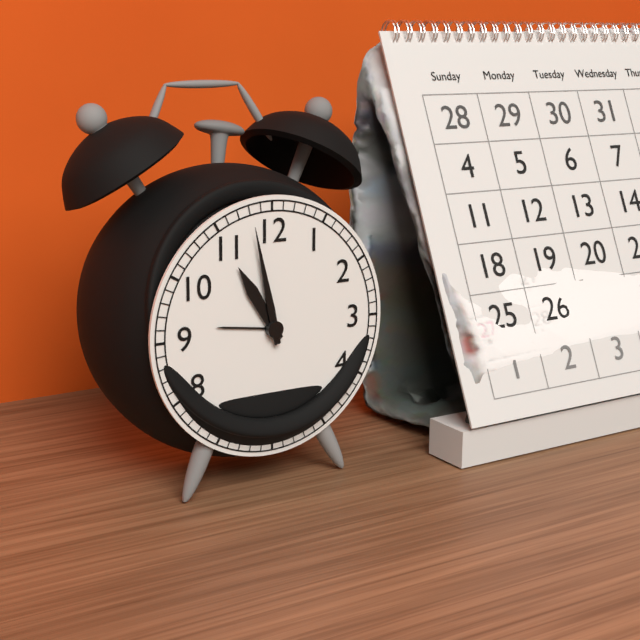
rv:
10.58
